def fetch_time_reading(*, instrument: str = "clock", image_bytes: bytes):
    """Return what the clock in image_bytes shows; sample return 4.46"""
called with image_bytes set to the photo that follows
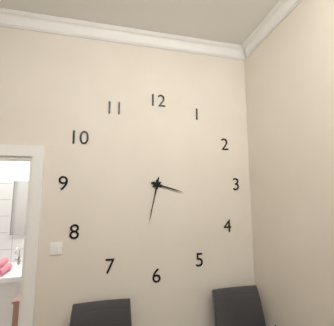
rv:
3.32
